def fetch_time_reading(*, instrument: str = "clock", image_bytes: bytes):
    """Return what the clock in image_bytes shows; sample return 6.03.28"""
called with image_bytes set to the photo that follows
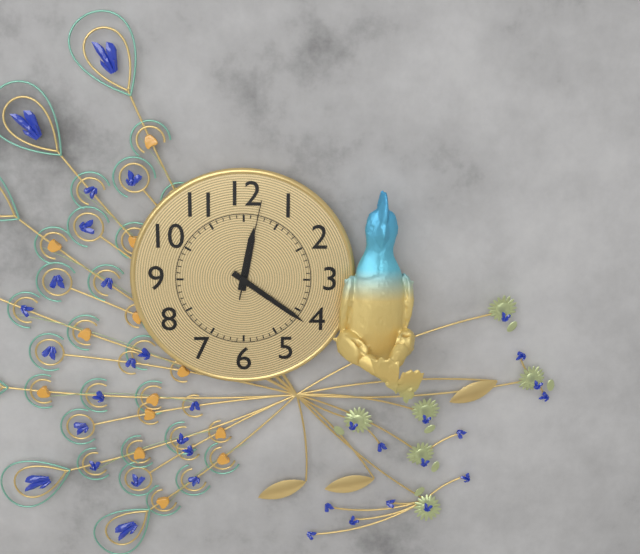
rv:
12.21.02
